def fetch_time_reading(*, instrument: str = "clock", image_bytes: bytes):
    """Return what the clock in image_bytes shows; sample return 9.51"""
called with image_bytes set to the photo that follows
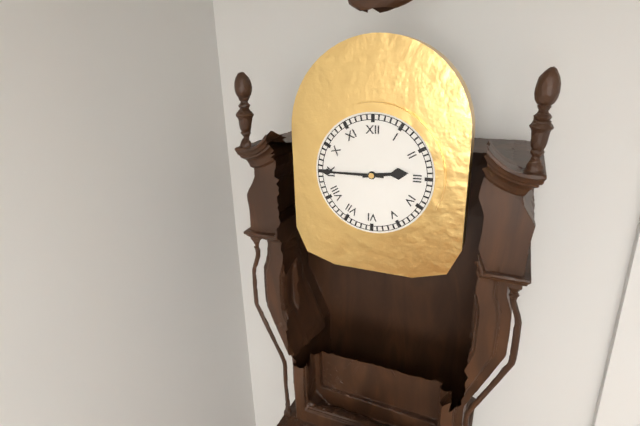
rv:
2.45
